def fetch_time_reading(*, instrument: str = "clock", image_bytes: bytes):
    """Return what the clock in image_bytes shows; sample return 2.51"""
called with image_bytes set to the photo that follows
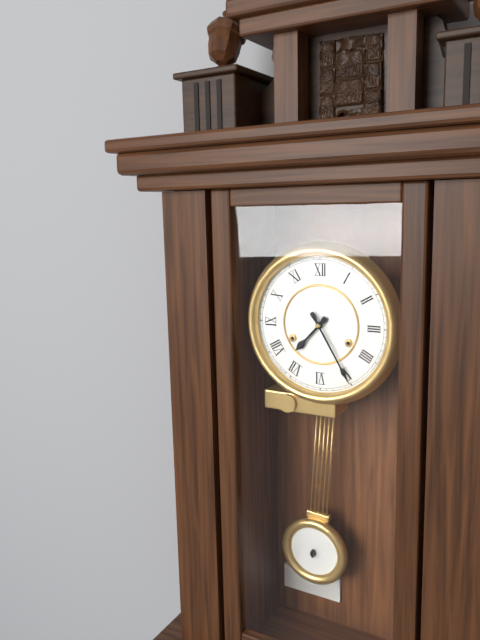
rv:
7.25
